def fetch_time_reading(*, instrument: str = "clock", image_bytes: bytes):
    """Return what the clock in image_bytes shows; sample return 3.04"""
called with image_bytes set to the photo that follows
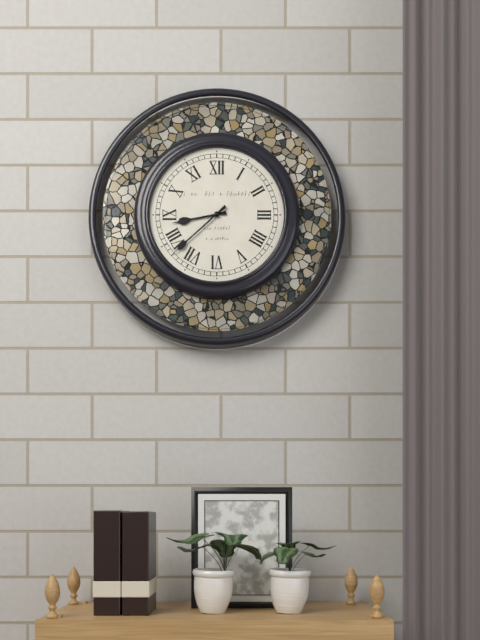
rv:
8.38
